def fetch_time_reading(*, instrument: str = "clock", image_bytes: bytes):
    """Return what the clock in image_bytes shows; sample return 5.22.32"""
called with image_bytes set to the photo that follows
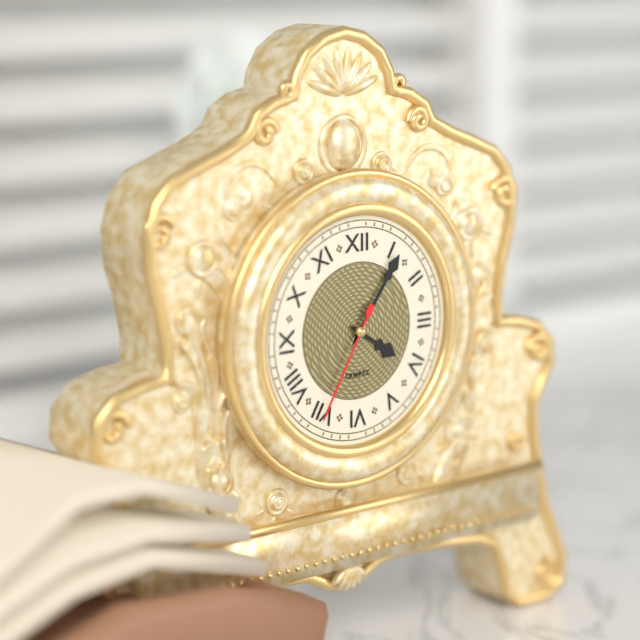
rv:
4.06.35
